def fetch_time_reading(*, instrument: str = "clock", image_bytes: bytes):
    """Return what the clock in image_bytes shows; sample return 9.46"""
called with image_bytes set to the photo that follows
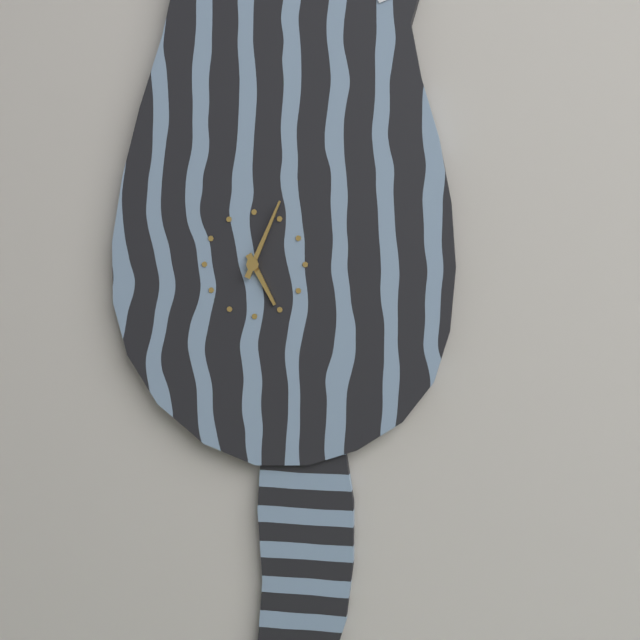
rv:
5.04
